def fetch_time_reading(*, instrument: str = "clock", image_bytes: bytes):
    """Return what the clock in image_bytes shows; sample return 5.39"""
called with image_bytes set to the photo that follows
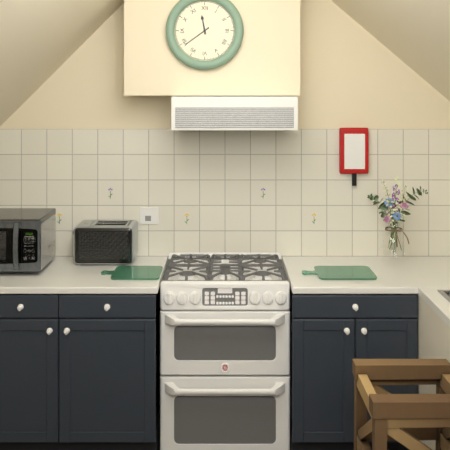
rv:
11.39
